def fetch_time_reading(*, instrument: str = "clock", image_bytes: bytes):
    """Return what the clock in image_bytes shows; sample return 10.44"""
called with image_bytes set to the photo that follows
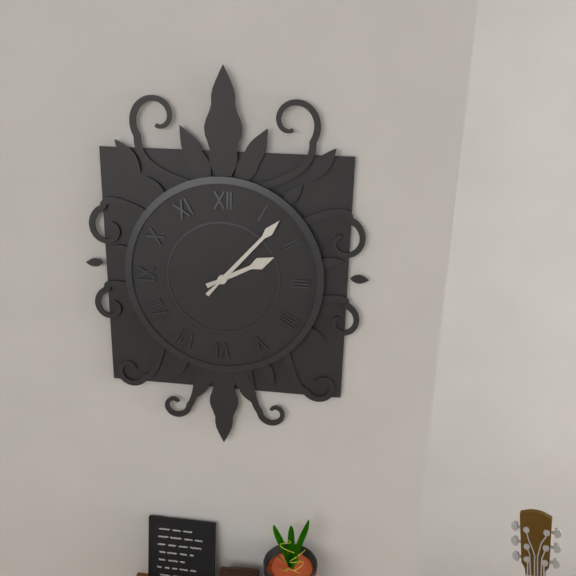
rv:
2.07
